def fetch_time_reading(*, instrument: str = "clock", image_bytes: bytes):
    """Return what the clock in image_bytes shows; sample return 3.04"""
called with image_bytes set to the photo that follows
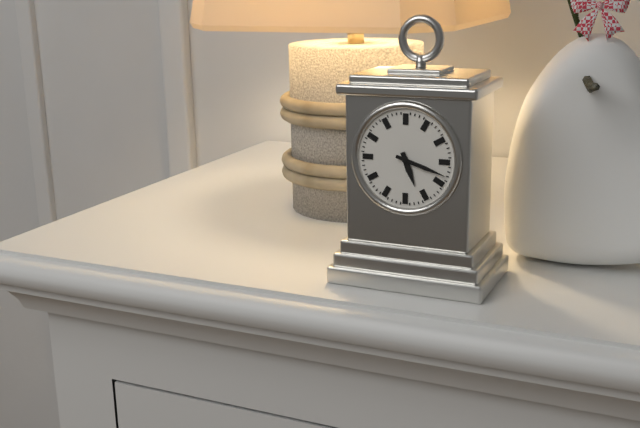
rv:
5.18
